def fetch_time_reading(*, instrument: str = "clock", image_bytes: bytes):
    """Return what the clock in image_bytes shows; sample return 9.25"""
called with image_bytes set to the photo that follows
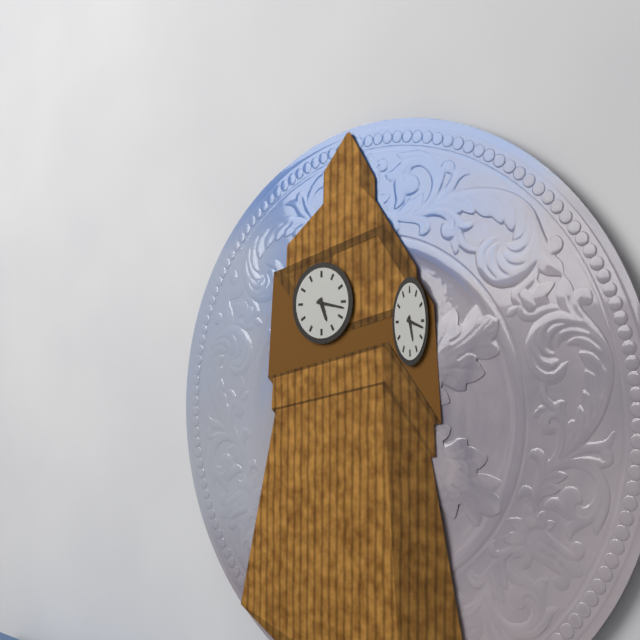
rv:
5.17
